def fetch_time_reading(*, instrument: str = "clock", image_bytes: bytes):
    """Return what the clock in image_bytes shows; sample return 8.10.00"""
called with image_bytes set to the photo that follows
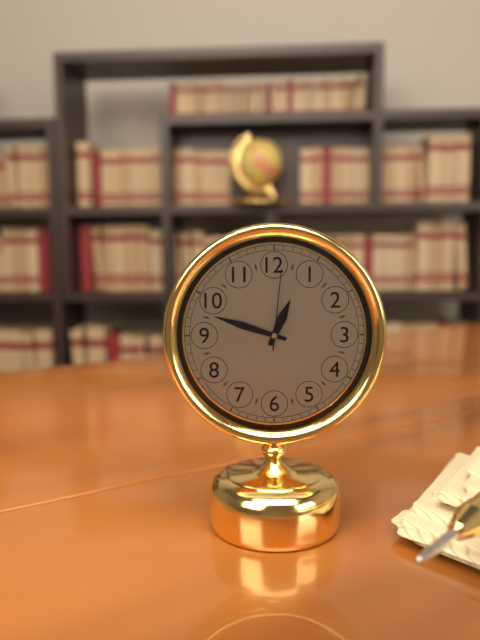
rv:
12.48.01
